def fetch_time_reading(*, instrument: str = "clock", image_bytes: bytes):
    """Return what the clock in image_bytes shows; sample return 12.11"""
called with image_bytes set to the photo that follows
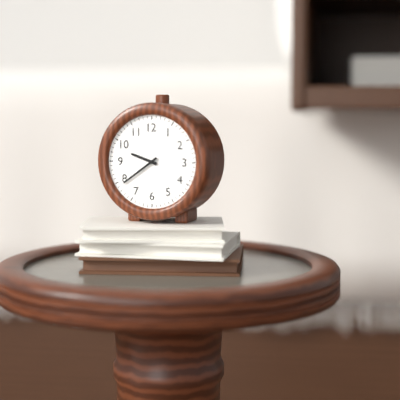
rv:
9.39
